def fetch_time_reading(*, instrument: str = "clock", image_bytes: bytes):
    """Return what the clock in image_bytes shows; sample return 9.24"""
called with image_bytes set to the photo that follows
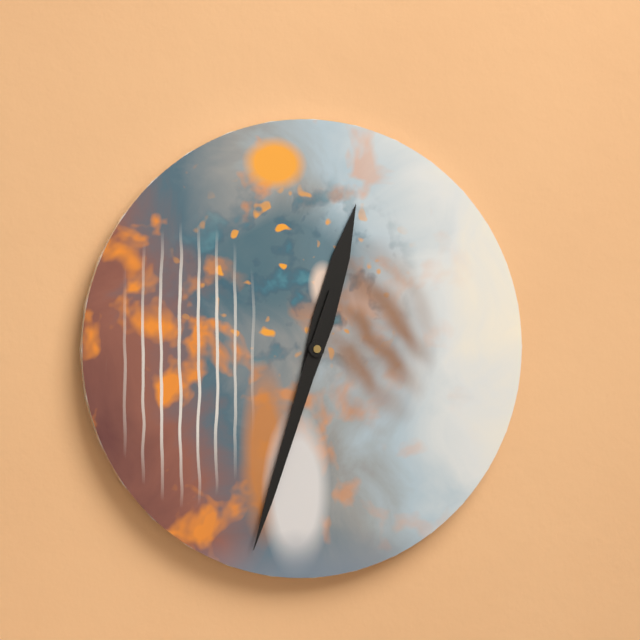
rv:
12.33
